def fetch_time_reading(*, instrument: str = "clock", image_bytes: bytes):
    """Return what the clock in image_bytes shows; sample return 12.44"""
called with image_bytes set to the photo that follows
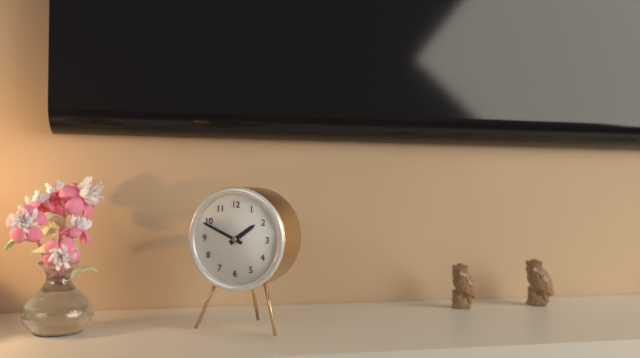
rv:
1.49
